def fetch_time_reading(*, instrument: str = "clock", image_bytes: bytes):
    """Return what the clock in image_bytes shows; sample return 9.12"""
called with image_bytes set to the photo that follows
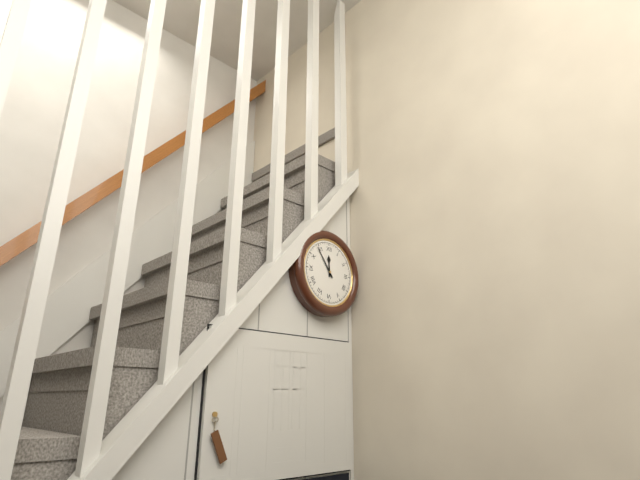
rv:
11.54
